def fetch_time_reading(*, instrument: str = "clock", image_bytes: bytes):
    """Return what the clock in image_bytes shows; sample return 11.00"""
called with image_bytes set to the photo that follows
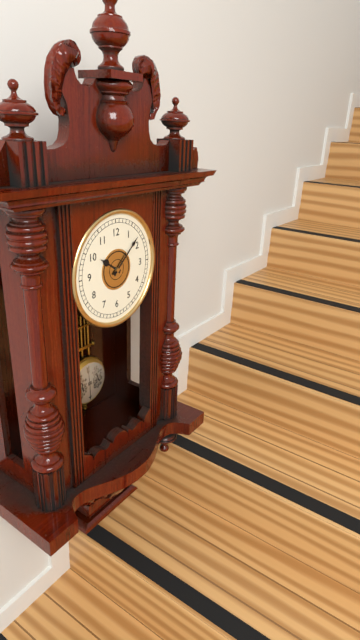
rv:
10.08
